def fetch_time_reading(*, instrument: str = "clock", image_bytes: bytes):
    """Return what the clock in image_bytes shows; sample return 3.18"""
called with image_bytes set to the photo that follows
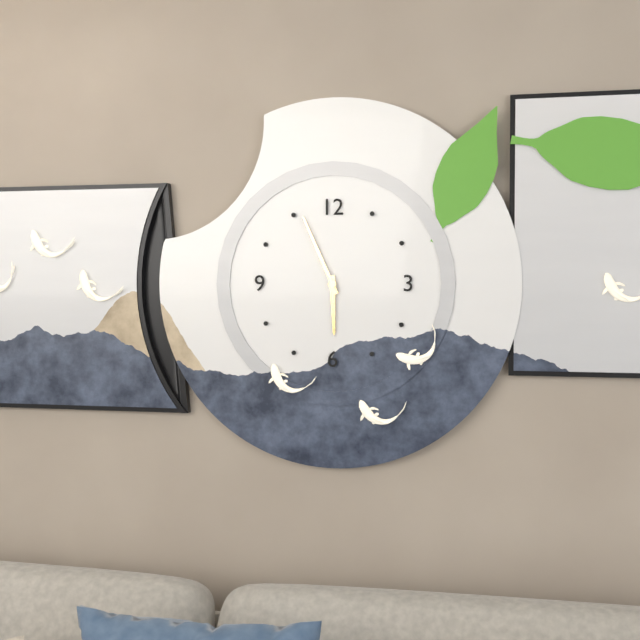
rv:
5.56
